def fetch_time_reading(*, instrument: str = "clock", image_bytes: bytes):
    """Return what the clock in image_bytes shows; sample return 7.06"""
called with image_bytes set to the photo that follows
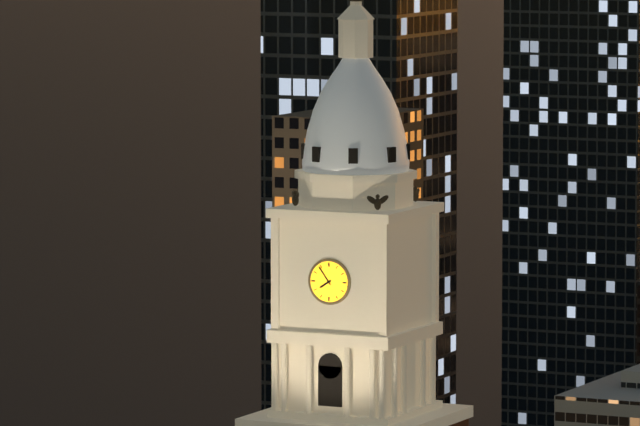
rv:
7.54
